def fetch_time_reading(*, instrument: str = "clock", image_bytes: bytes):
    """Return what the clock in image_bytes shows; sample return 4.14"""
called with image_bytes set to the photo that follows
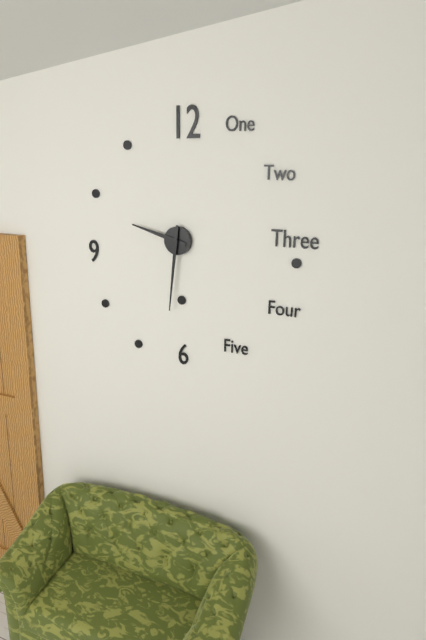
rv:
9.31
